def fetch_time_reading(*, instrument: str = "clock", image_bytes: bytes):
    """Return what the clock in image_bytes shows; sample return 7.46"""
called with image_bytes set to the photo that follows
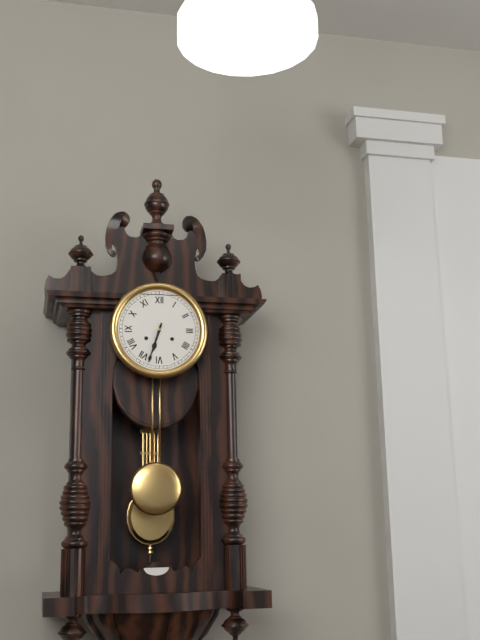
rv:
6.33
